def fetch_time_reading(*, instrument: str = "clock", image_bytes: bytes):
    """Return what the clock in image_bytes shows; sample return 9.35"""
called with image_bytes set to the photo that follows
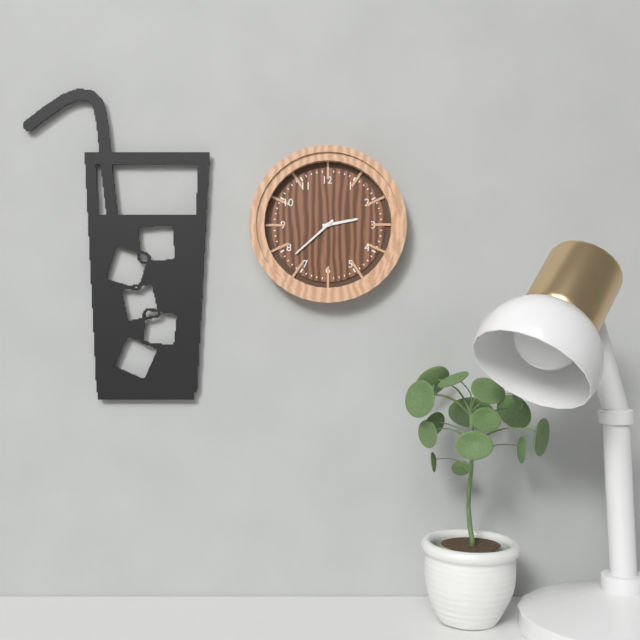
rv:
2.38
